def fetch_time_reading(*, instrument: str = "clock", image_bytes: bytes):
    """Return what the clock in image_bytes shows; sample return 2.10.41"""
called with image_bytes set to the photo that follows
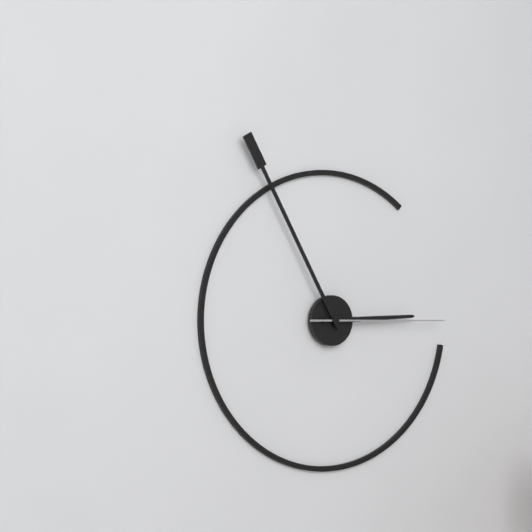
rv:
2.55.15
